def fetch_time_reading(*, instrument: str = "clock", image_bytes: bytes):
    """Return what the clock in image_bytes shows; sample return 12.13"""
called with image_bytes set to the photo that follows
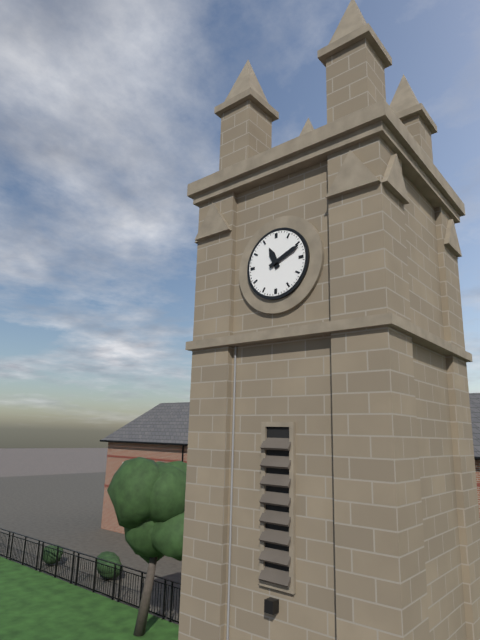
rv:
11.11
